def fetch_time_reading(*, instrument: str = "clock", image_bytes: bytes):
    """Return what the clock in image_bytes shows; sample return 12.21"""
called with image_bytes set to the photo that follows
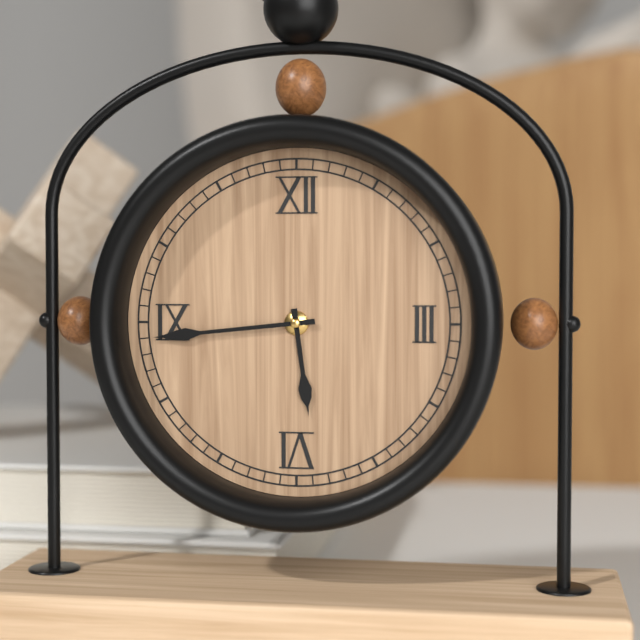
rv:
5.44
